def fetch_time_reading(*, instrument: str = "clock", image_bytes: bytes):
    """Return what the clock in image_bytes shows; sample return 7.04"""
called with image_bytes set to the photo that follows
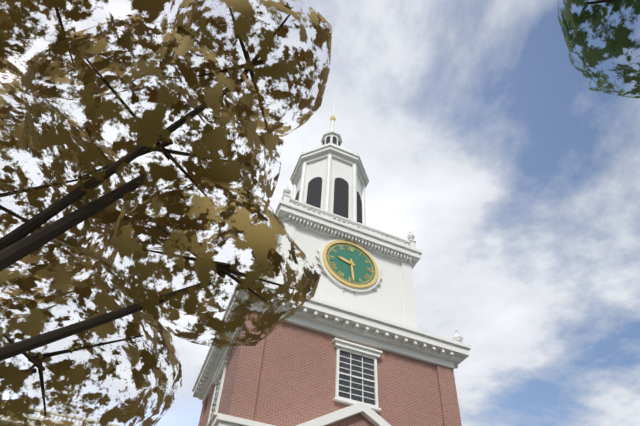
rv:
9.29
